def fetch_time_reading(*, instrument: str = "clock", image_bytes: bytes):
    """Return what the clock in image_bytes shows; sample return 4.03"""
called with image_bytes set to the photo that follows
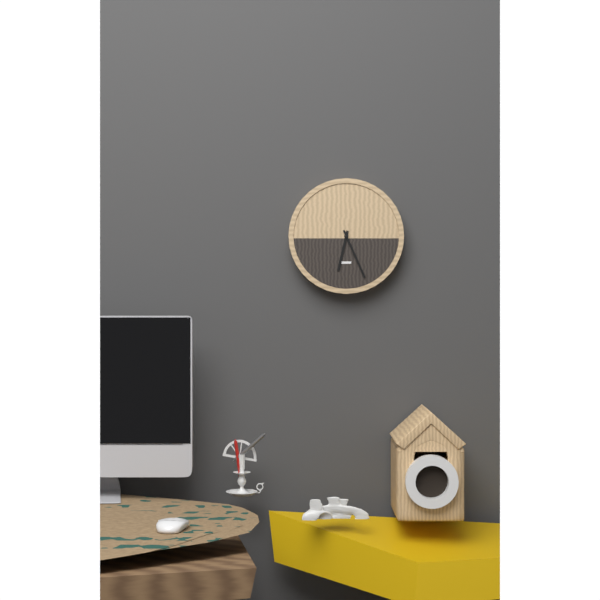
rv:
6.26
